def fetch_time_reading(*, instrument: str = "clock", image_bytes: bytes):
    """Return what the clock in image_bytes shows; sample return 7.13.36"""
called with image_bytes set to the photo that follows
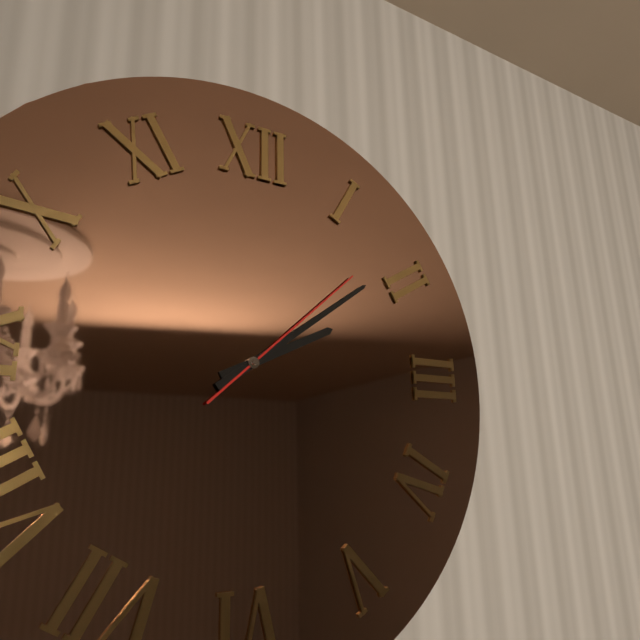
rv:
2.09.08
